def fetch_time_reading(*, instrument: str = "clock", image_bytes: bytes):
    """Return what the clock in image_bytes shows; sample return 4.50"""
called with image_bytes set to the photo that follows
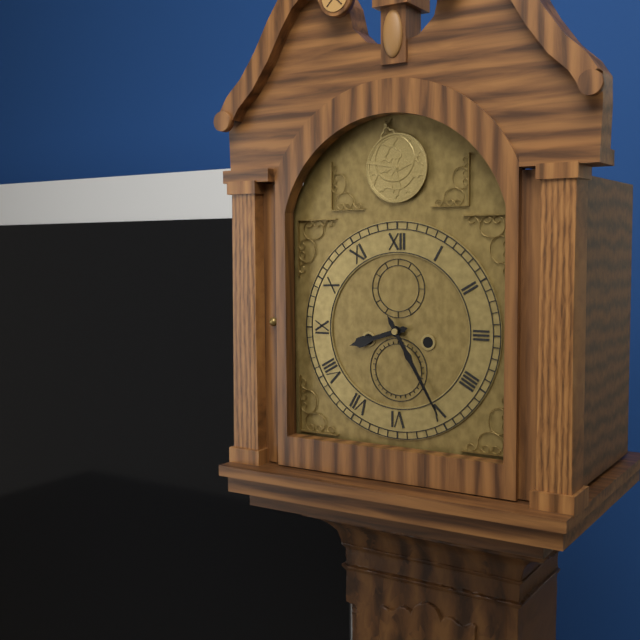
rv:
8.25
